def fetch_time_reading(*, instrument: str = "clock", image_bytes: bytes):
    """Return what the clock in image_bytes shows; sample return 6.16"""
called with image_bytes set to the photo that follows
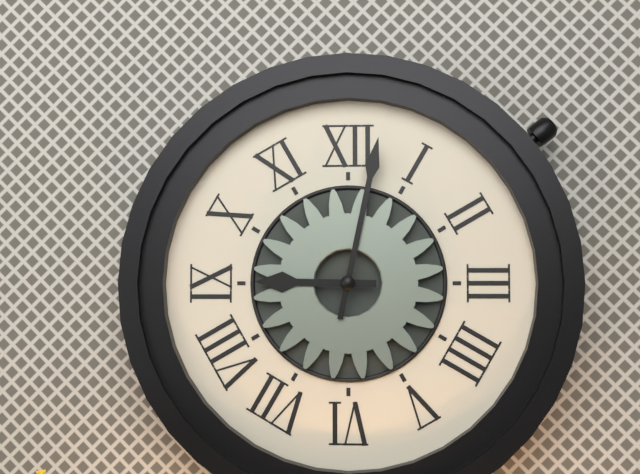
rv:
9.02
